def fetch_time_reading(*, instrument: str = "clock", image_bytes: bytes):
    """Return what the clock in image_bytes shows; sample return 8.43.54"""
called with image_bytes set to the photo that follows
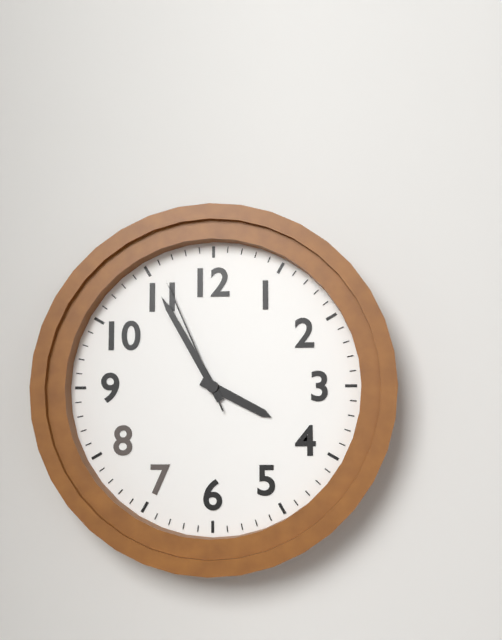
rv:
3.55.56
